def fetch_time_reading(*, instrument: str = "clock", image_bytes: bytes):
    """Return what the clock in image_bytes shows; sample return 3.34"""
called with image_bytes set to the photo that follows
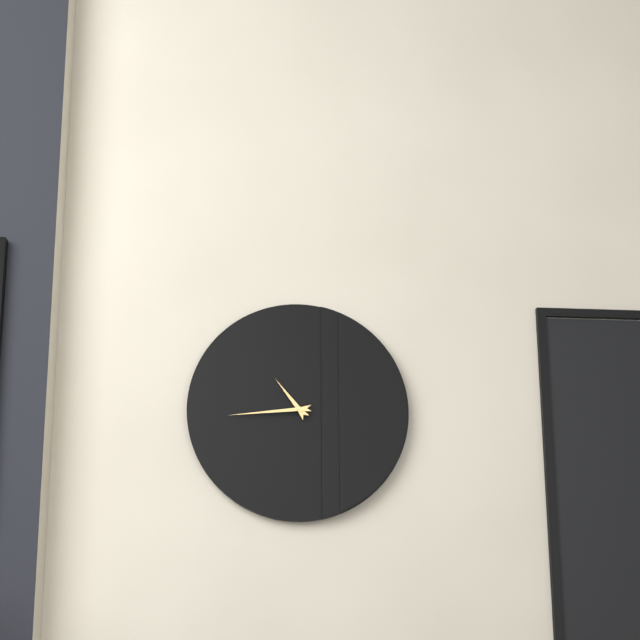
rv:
10.44
